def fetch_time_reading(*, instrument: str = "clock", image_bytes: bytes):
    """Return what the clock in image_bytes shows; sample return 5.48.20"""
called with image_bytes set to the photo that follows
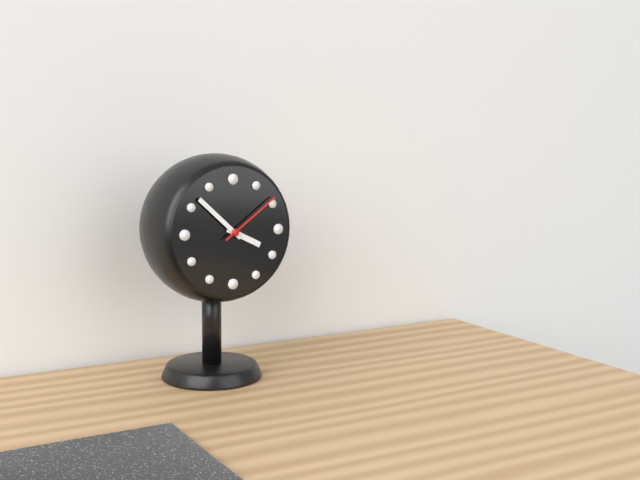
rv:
3.52.09
